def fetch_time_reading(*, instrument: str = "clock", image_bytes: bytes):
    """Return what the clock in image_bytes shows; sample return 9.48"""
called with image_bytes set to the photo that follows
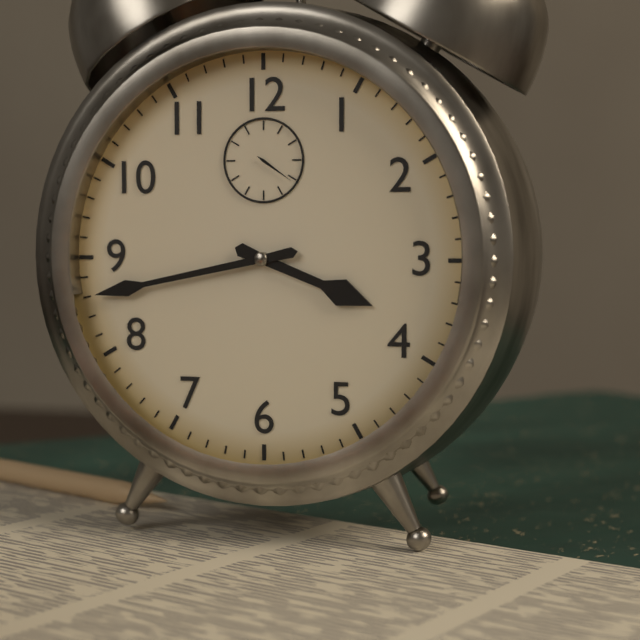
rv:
3.43
